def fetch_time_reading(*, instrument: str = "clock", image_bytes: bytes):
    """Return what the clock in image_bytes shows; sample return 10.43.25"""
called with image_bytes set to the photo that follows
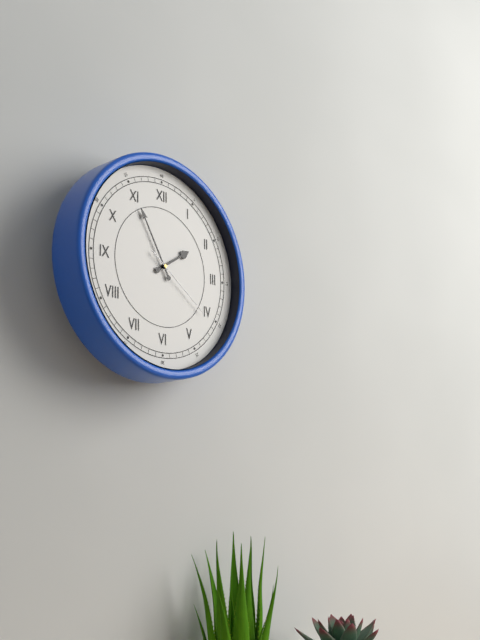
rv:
1.55.21
